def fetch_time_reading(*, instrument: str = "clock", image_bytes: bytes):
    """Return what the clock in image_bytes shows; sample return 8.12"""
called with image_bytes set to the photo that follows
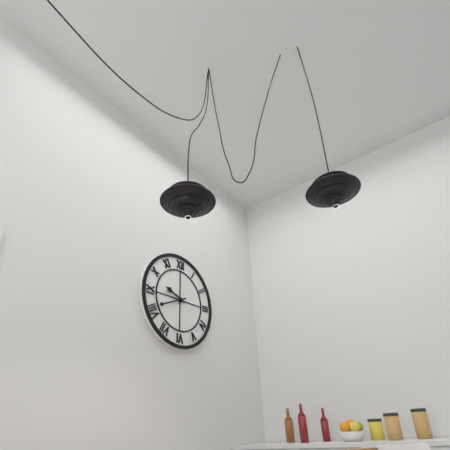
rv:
9.41
